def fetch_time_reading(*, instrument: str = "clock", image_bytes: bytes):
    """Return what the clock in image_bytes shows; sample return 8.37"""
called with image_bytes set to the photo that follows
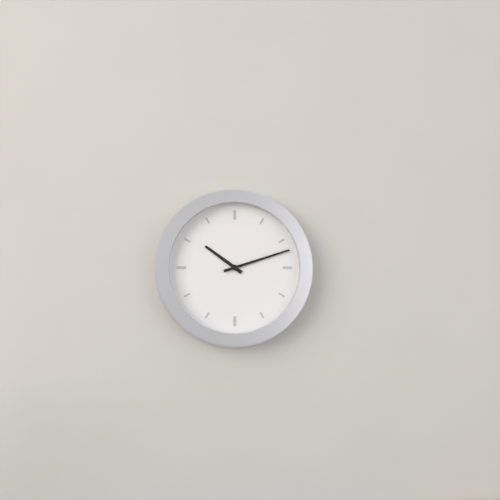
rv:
10.12
